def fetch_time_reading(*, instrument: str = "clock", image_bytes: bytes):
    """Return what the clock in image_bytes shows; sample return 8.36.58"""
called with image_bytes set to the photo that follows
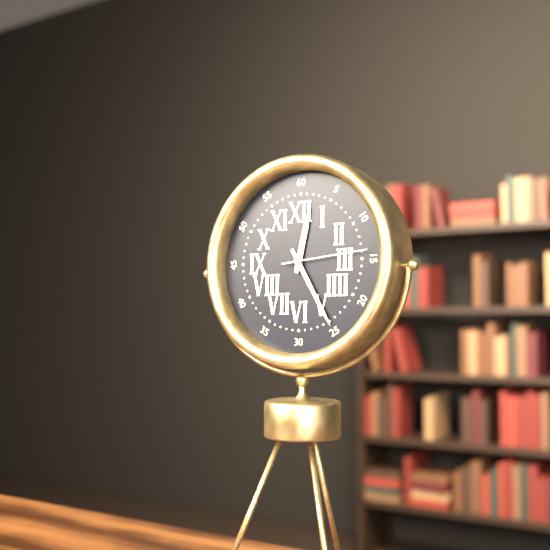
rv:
12.25.14
